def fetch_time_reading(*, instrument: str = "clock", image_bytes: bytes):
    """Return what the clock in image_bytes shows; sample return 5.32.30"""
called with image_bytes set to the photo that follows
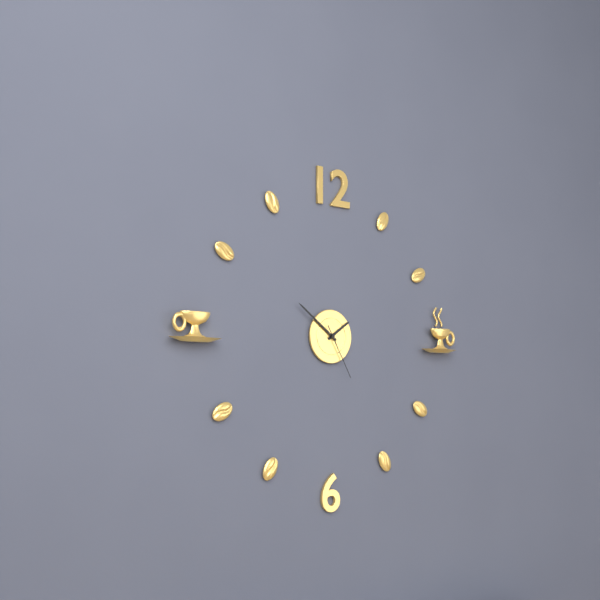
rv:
1.51.25
